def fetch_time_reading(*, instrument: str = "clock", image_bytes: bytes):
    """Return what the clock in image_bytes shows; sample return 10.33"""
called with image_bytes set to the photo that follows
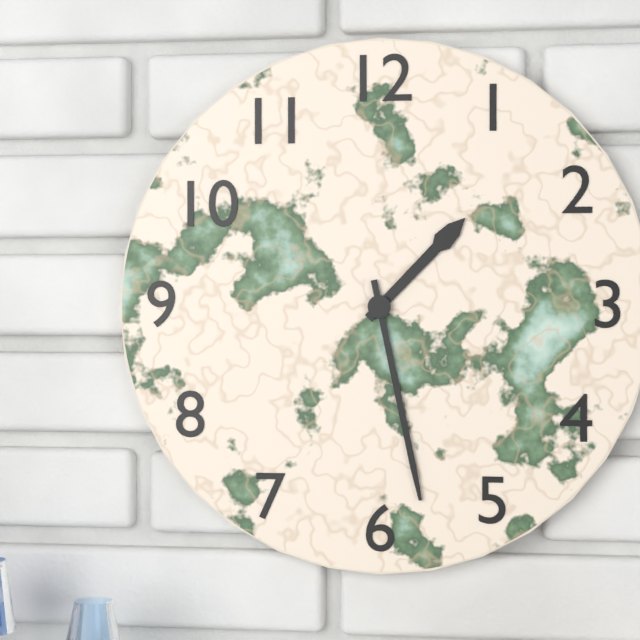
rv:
1.28
